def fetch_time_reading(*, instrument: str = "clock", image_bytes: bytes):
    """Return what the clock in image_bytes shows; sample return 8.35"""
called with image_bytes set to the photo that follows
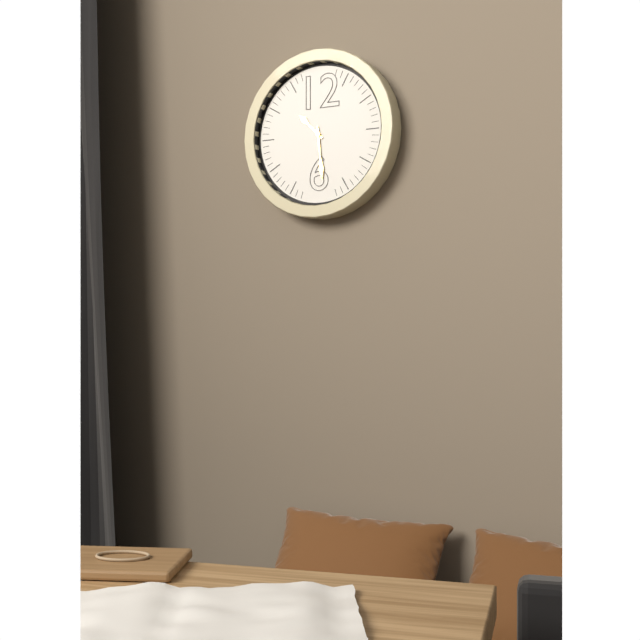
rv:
10.29
